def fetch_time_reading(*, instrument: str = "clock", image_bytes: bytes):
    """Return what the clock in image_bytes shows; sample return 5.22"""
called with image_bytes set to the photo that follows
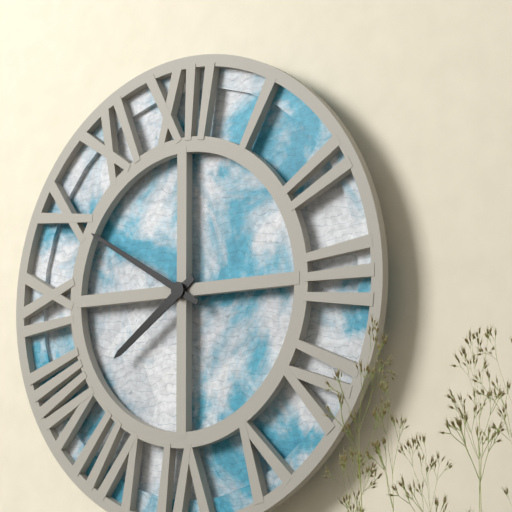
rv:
7.50
